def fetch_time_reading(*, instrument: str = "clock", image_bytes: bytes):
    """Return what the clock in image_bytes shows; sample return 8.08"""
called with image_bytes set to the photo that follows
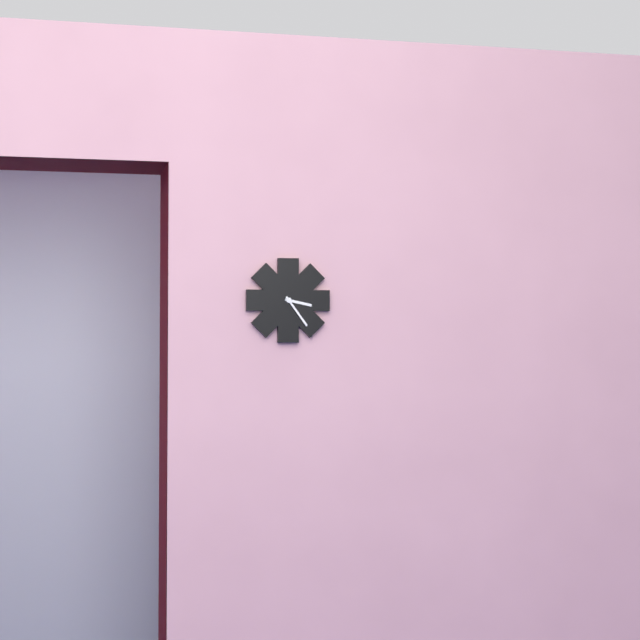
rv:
3.24
